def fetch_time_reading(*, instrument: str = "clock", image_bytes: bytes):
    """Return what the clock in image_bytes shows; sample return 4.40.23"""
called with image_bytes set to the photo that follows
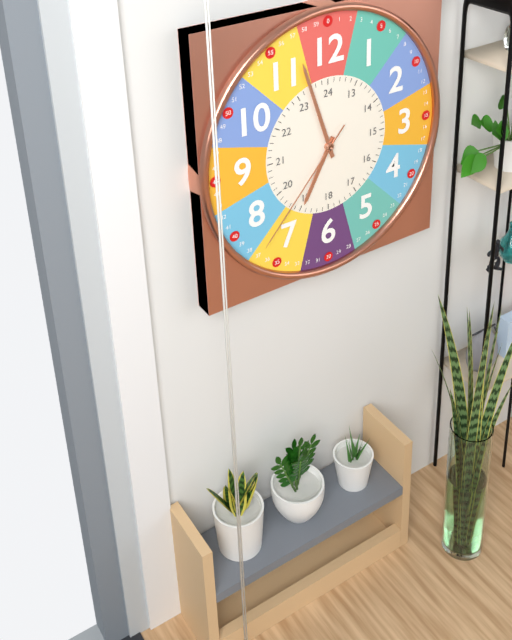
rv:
6.57.37
